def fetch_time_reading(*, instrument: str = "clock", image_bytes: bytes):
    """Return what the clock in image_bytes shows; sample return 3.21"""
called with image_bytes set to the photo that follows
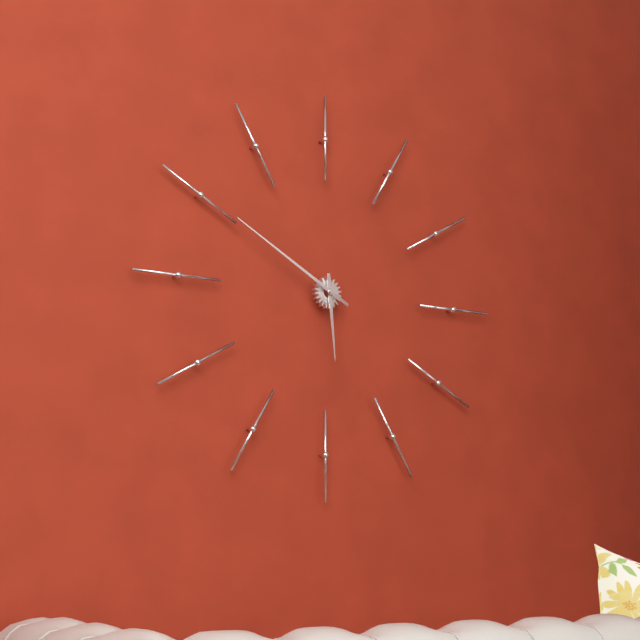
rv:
5.50
